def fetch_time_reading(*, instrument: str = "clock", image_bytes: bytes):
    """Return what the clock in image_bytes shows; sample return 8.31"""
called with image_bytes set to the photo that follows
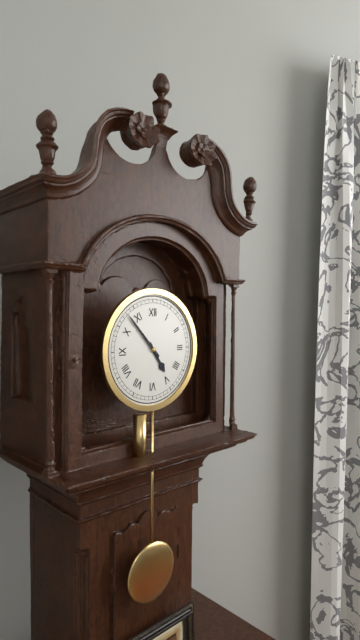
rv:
4.53
